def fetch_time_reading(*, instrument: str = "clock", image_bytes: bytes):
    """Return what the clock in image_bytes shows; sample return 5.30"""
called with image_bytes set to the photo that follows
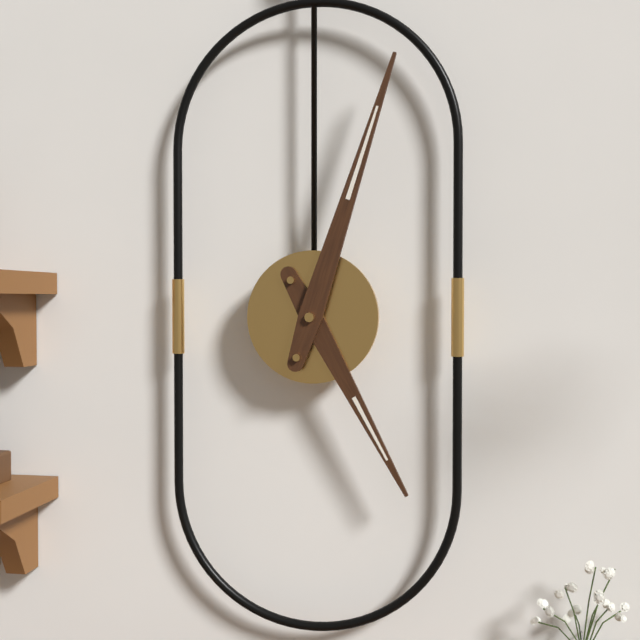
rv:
5.03
